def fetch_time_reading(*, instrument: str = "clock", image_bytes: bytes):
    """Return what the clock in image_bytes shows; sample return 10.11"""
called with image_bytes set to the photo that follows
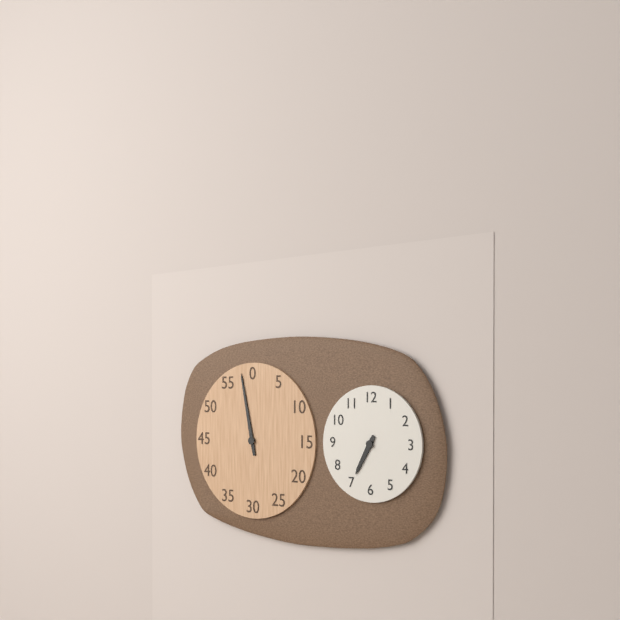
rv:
6.58
